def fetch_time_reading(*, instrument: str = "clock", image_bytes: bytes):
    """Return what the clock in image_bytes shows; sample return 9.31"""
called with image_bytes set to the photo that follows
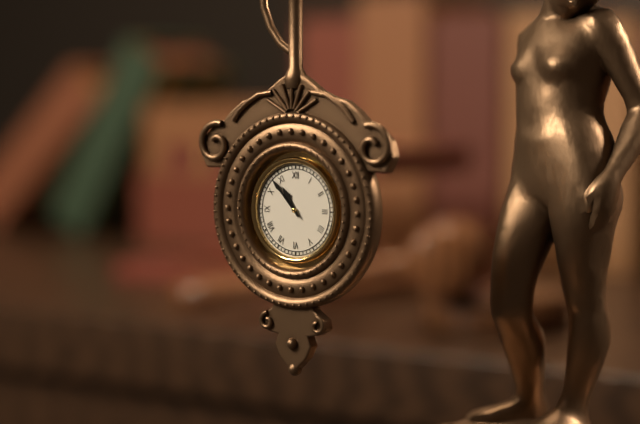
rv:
10.53
